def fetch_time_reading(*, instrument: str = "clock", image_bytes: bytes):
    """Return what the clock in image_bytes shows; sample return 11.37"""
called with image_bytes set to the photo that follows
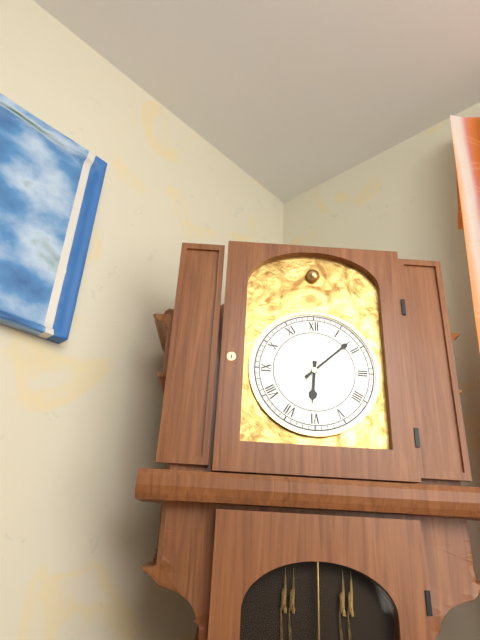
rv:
6.08
